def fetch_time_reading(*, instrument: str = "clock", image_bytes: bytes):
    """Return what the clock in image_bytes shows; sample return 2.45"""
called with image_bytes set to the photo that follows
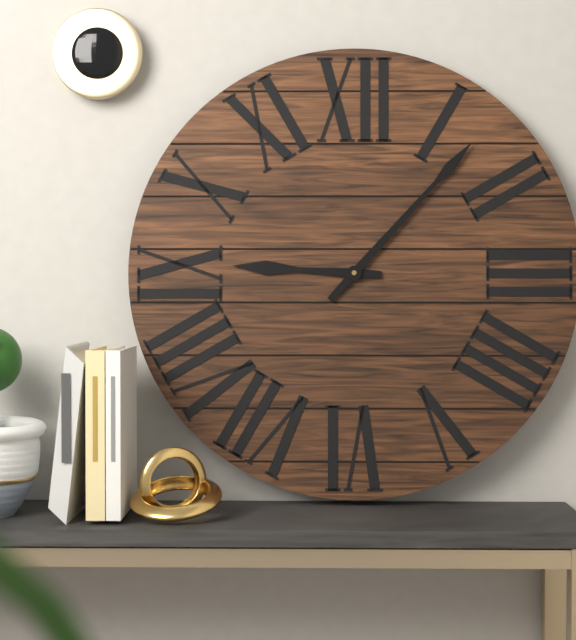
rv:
9.07
